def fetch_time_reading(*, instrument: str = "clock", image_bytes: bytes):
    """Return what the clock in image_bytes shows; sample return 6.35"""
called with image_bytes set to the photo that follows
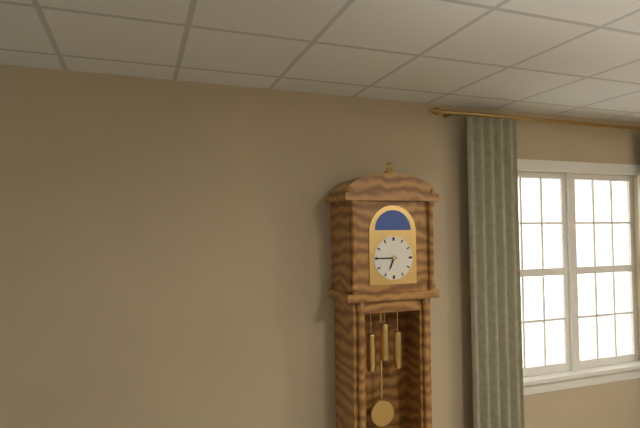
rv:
6.45
